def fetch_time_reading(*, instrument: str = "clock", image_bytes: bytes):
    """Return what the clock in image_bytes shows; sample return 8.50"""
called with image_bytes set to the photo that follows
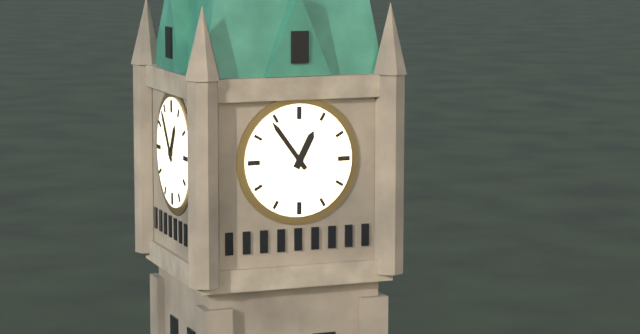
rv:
12.54
